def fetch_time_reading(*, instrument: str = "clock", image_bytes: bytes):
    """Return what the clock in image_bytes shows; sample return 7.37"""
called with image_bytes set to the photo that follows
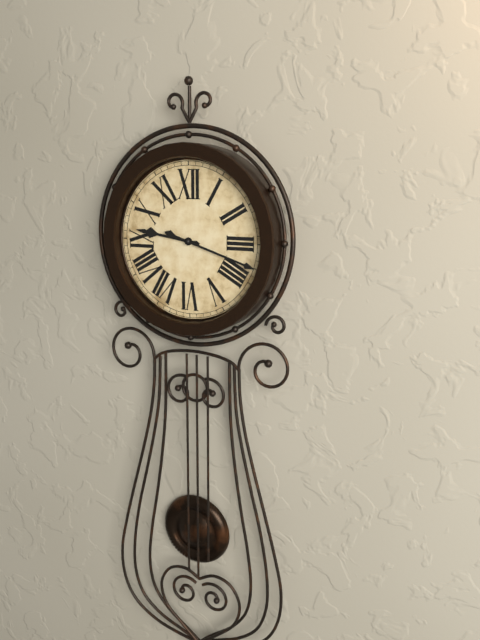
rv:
9.18
